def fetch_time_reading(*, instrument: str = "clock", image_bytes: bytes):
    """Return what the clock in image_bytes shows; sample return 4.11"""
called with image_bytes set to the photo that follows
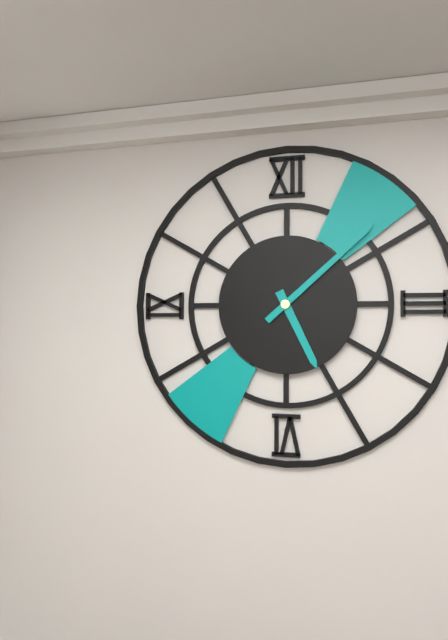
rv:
5.08
